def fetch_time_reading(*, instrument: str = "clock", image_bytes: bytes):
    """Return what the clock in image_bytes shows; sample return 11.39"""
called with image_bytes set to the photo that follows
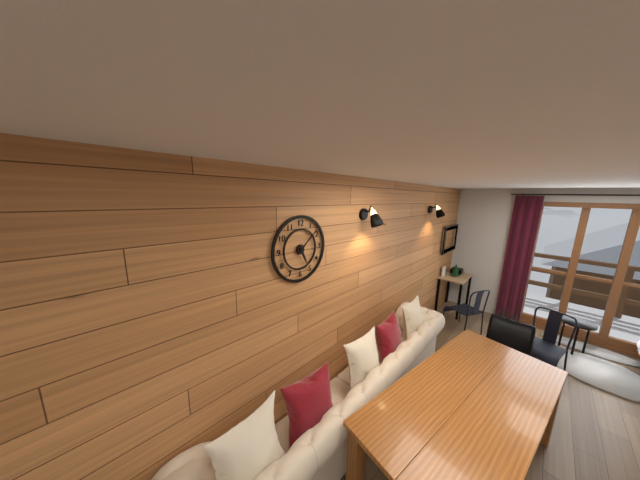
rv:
5.08
